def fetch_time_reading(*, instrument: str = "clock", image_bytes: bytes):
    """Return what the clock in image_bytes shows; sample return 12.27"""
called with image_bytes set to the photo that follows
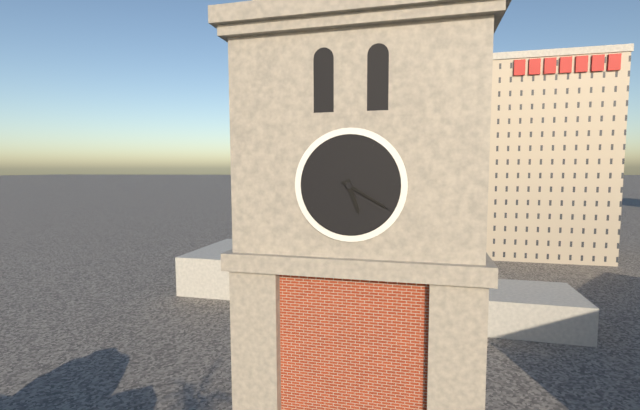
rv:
5.20
